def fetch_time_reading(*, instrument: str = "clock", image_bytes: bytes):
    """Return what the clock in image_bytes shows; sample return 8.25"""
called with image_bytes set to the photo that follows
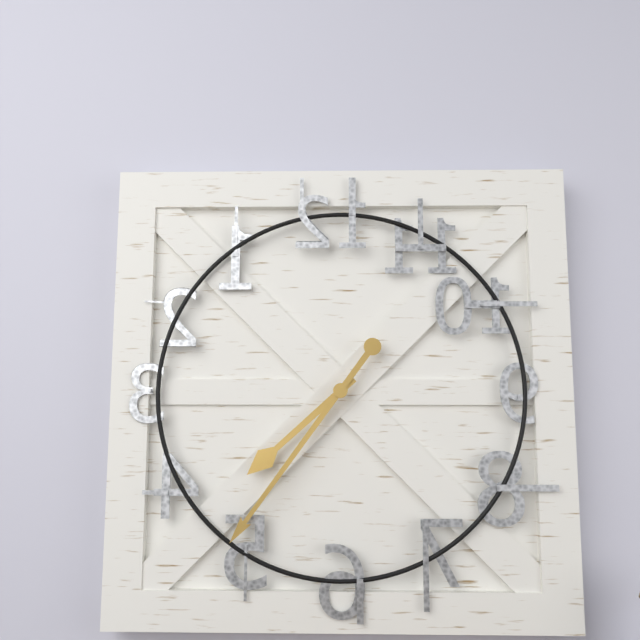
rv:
7.36
